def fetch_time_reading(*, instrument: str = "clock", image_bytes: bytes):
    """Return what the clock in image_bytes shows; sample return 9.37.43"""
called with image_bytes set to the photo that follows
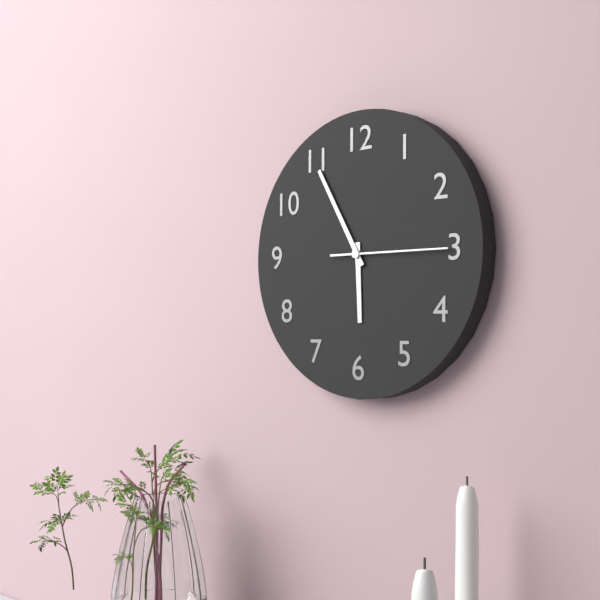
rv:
5.55.15
